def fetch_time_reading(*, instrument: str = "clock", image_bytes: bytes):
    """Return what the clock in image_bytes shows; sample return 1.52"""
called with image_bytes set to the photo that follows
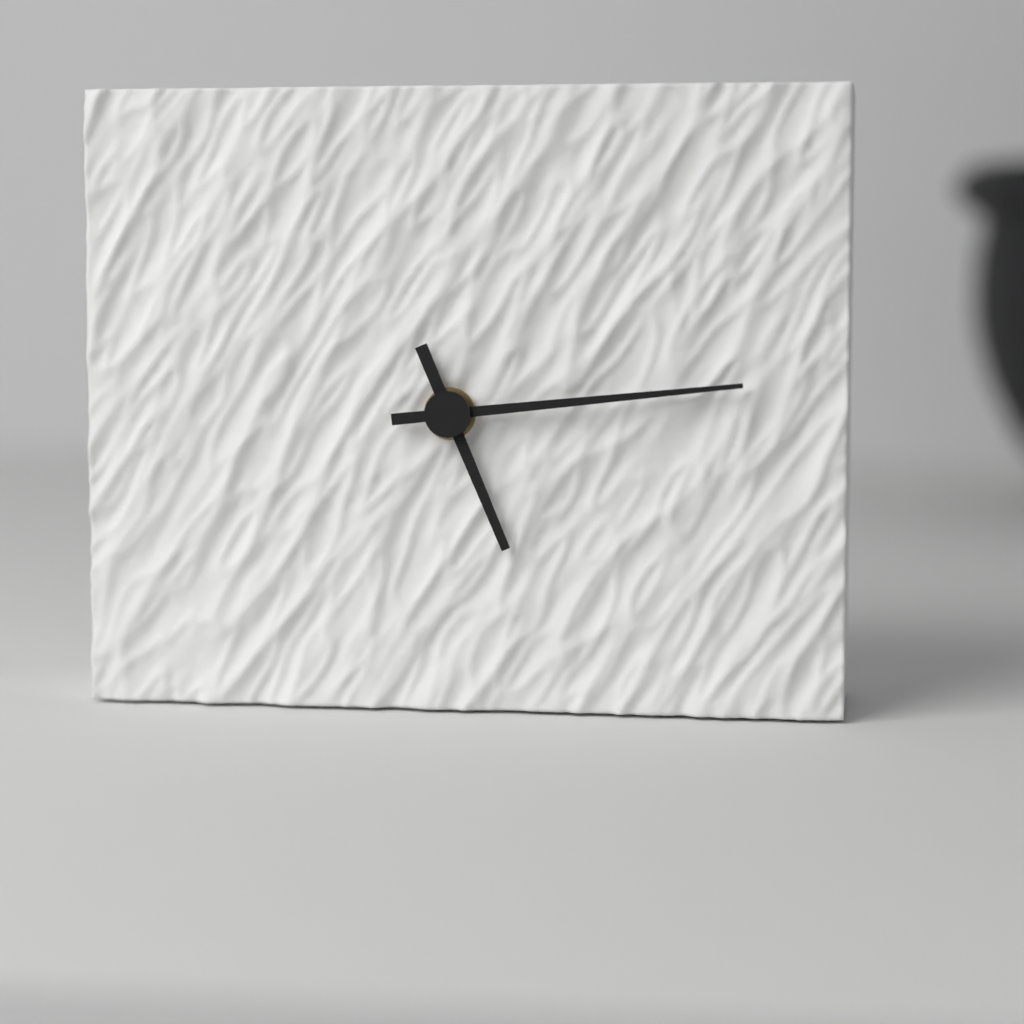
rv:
5.14
